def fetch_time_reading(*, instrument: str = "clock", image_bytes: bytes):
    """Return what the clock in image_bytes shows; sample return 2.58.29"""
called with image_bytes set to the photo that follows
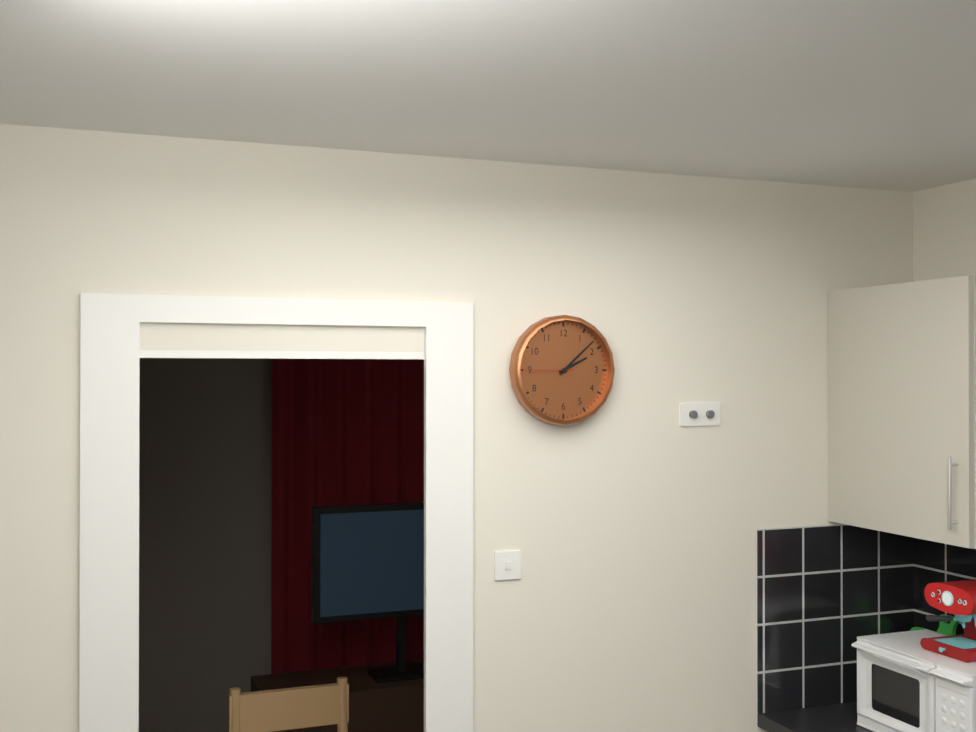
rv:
2.08.45
